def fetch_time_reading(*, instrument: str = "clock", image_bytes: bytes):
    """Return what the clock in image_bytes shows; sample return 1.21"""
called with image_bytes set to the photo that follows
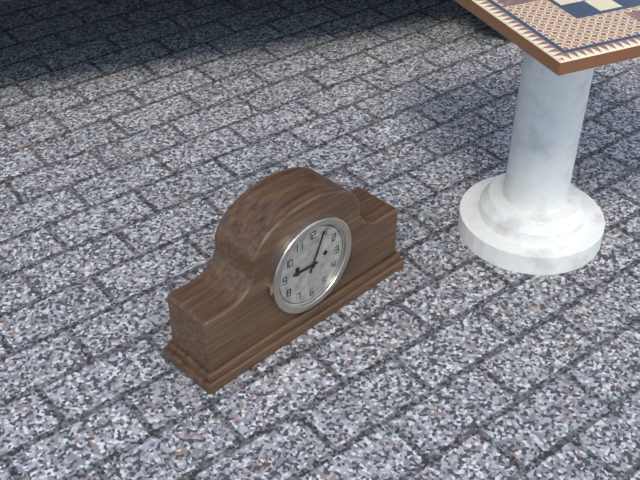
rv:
9.04
